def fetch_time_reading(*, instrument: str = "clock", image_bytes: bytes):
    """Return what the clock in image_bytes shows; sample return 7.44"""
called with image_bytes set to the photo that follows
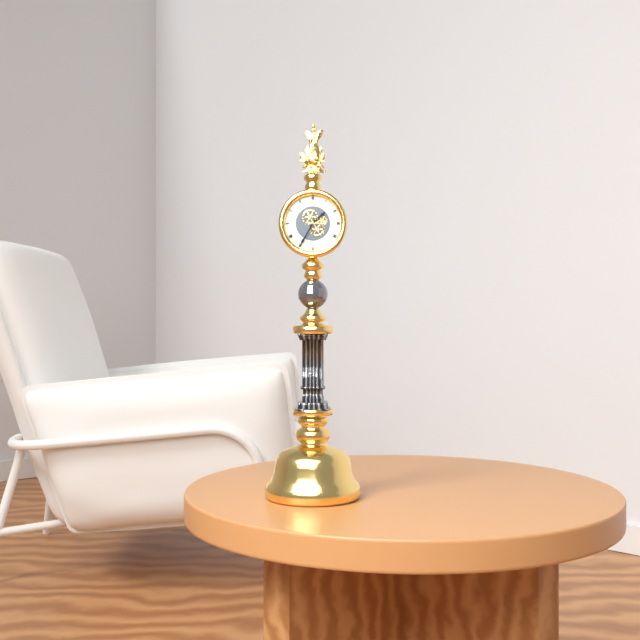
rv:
1.35
